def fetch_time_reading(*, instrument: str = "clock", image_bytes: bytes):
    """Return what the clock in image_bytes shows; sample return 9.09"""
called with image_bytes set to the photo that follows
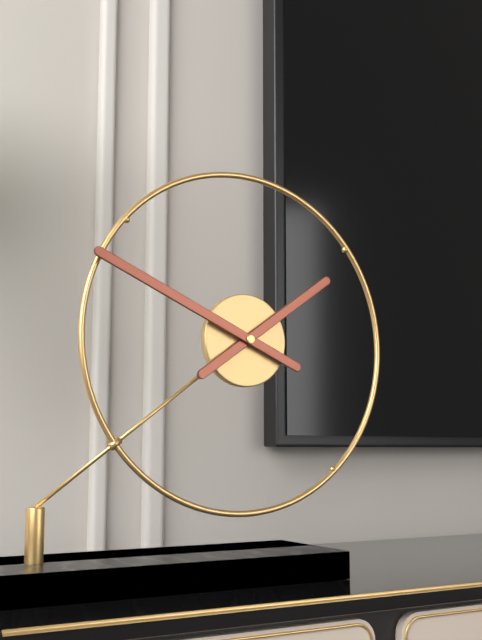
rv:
1.49
